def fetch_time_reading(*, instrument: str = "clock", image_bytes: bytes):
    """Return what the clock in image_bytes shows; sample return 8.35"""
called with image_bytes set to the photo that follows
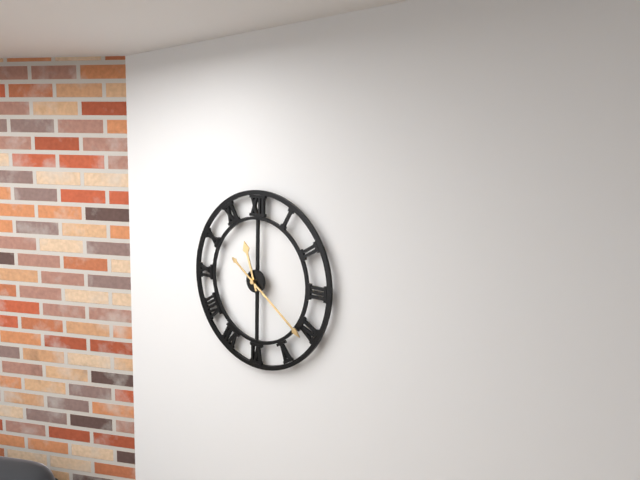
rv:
11.21
